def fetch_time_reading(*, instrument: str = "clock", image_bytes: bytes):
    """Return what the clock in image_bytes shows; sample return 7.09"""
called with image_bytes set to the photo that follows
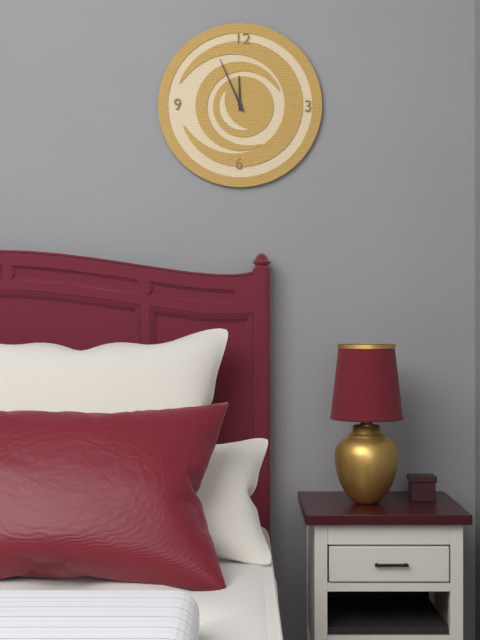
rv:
11.56
